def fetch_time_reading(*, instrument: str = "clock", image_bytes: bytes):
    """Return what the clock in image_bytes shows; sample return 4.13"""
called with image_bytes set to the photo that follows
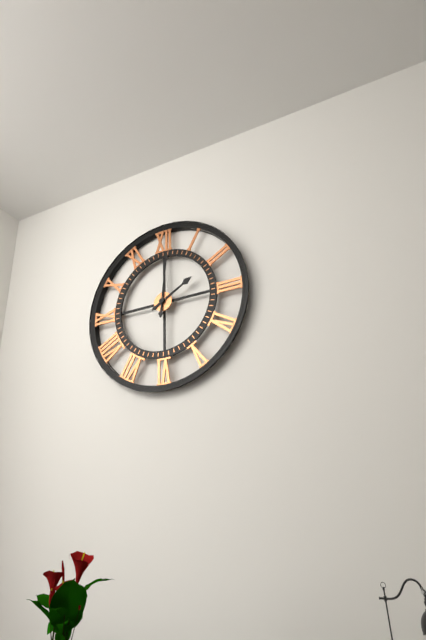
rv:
2.01
